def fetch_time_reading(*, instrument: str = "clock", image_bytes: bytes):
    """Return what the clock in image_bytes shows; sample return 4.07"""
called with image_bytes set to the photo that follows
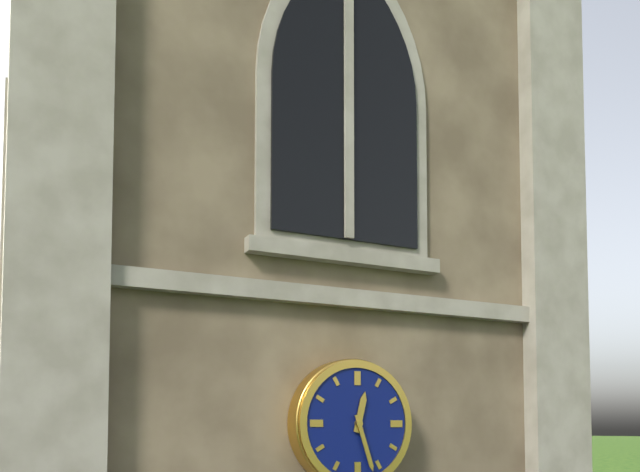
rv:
12.27
